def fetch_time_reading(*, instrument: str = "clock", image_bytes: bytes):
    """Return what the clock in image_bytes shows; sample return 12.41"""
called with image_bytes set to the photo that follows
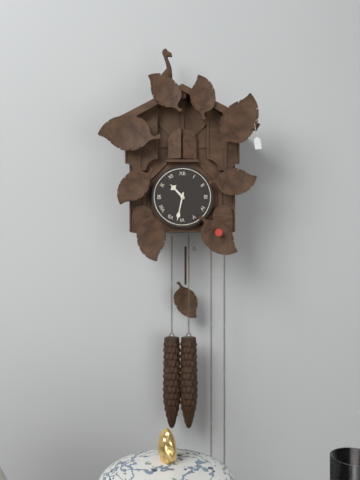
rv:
10.32
